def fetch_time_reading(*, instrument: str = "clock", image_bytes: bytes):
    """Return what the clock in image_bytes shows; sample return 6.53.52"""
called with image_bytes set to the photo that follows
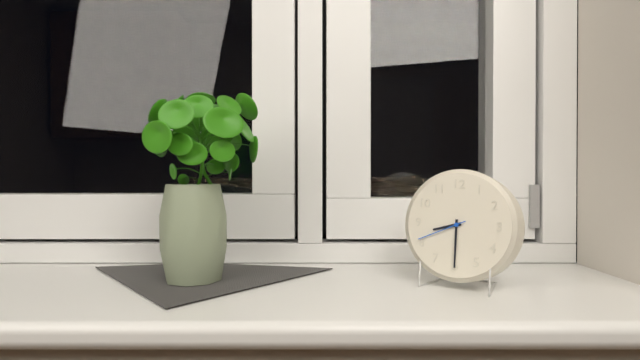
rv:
8.30.41
